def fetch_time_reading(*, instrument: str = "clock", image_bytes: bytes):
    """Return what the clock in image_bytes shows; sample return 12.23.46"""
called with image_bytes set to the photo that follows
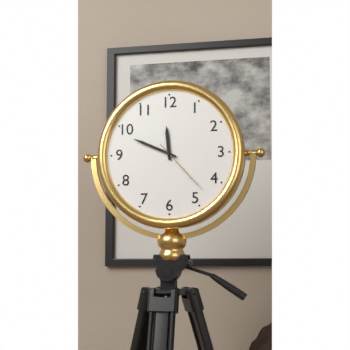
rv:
11.49.23
